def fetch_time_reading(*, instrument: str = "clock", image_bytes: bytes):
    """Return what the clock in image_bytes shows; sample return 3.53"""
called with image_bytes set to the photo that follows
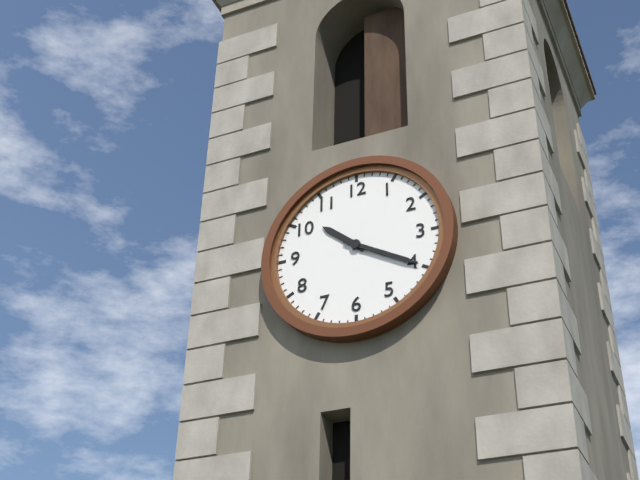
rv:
10.20
